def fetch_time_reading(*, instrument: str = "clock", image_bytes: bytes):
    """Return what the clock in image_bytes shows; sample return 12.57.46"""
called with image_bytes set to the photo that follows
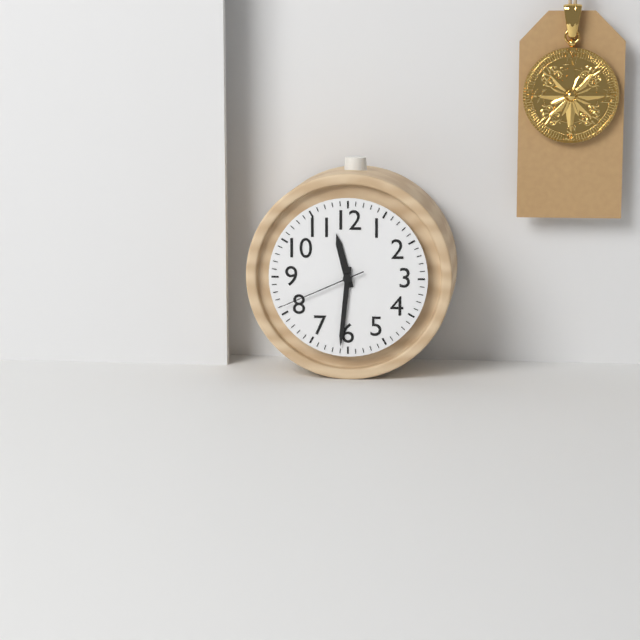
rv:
11.31.41
